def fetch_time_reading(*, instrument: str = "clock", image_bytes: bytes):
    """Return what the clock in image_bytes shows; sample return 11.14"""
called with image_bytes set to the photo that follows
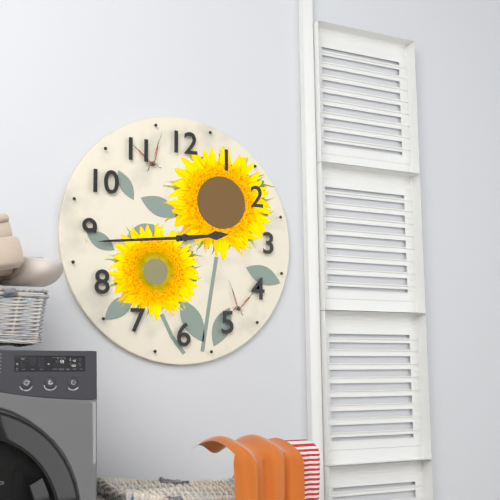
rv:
2.44
